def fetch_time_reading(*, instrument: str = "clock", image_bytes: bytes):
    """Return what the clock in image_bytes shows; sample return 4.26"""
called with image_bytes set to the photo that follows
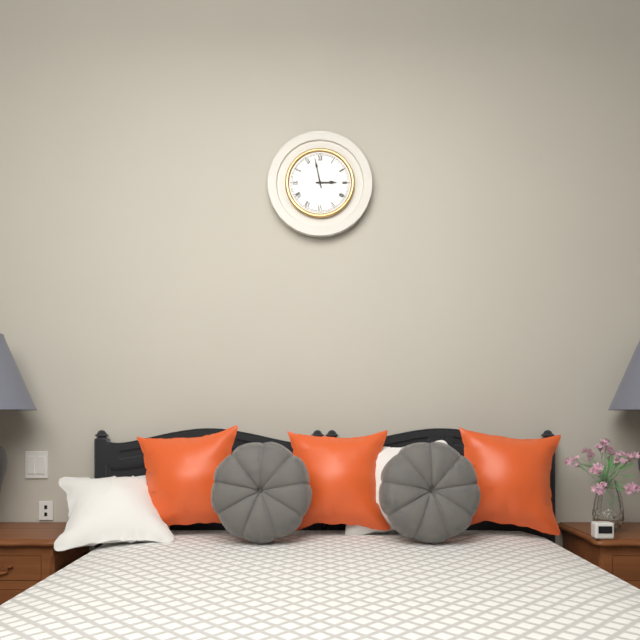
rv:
2.58
